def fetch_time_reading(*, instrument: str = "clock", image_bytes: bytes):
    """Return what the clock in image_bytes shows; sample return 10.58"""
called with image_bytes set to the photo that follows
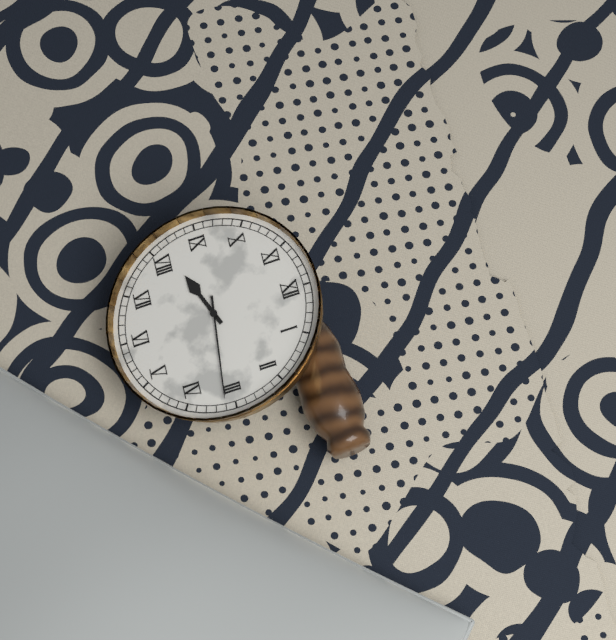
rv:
8.16
